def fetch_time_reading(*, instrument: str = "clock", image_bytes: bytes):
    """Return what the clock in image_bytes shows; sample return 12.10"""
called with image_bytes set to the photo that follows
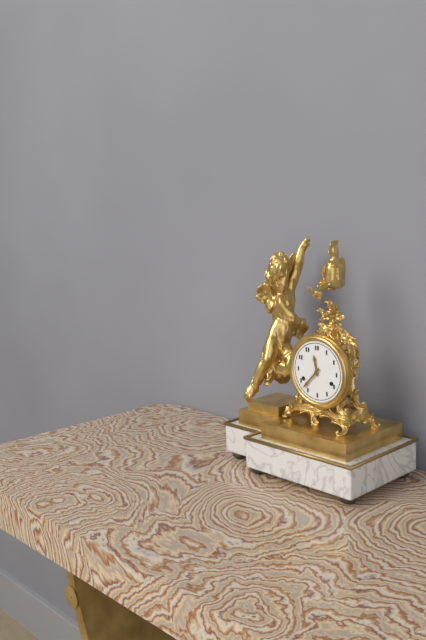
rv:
11.37
